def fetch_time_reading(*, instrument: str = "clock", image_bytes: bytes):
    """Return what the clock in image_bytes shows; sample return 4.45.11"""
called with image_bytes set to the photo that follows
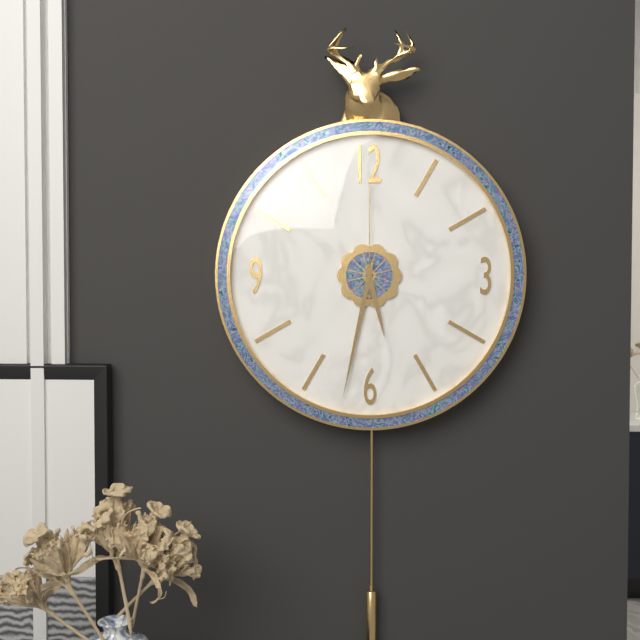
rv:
5.32.00
